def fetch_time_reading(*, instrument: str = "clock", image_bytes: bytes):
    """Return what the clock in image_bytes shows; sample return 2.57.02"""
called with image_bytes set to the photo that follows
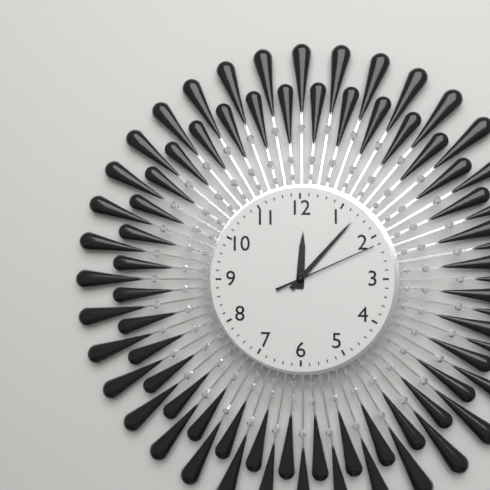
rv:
12.07.11
